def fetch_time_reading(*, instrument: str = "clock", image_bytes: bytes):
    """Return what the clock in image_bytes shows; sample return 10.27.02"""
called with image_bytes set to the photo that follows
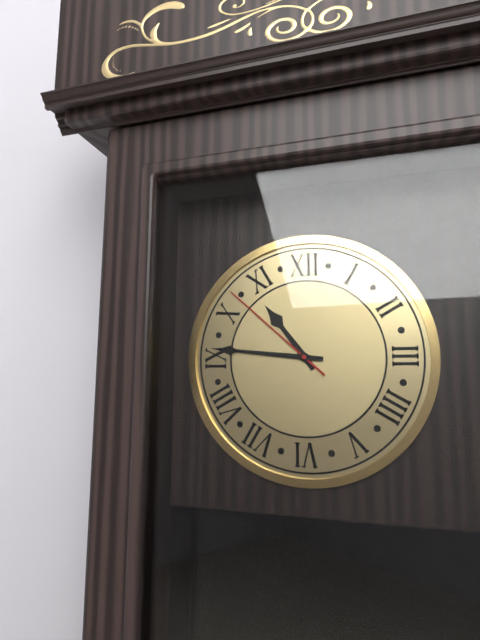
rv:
10.46.52
